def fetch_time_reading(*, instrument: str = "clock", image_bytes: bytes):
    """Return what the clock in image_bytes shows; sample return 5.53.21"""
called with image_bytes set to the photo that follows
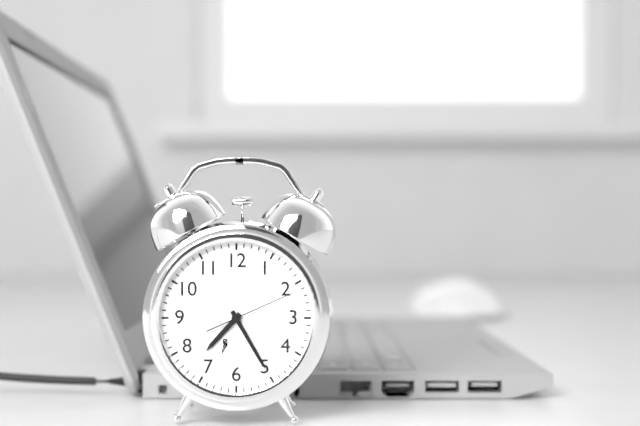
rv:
7.25.11
